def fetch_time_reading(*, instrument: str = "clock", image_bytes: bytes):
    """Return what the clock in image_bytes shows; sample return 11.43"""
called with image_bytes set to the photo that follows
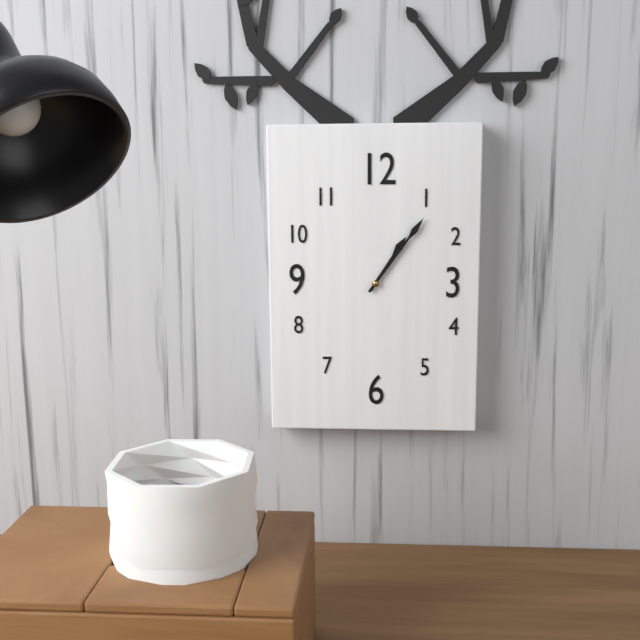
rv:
1.06
